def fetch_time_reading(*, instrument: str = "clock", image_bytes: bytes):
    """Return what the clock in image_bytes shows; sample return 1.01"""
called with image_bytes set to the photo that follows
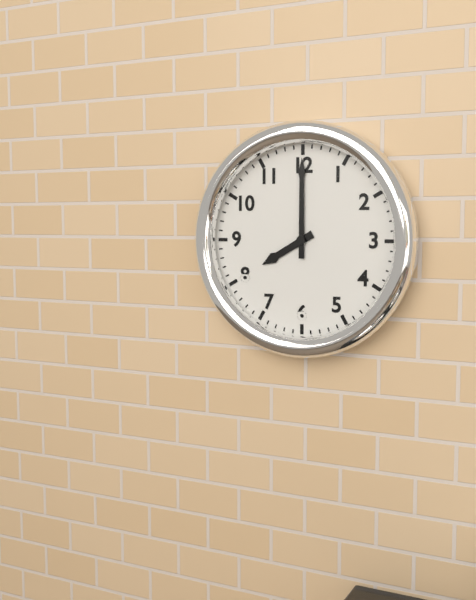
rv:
8.00
